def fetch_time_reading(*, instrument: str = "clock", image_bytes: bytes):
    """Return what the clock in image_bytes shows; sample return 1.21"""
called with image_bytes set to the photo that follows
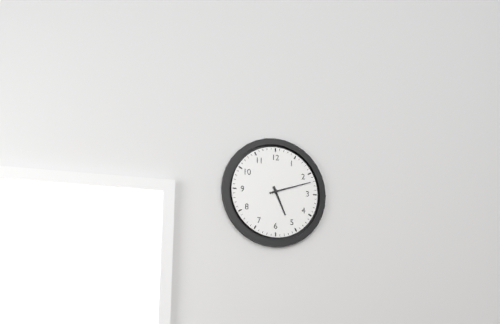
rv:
5.12
